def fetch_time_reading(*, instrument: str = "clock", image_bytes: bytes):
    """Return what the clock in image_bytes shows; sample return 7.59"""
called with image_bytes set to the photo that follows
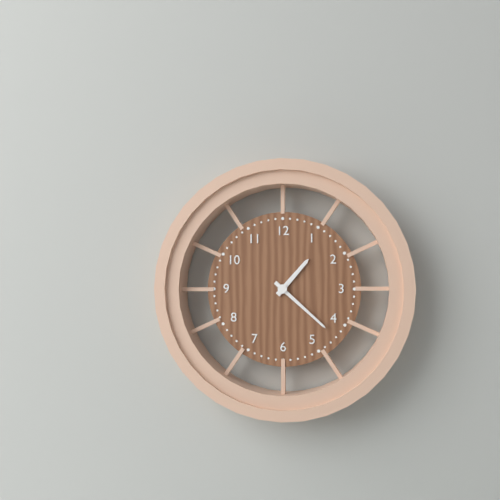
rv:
1.22
